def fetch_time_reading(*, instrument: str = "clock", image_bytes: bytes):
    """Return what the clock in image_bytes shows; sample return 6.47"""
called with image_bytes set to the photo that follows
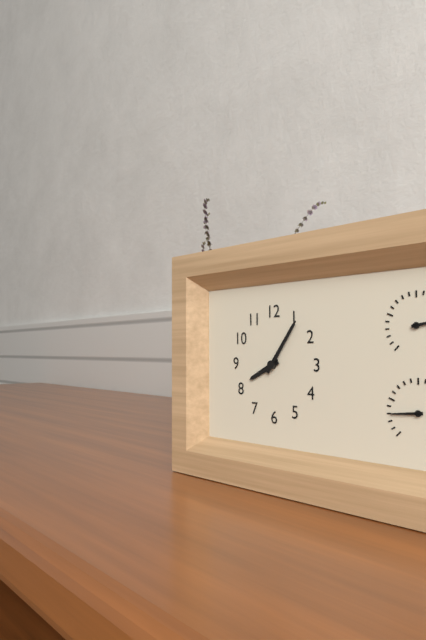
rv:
8.06
